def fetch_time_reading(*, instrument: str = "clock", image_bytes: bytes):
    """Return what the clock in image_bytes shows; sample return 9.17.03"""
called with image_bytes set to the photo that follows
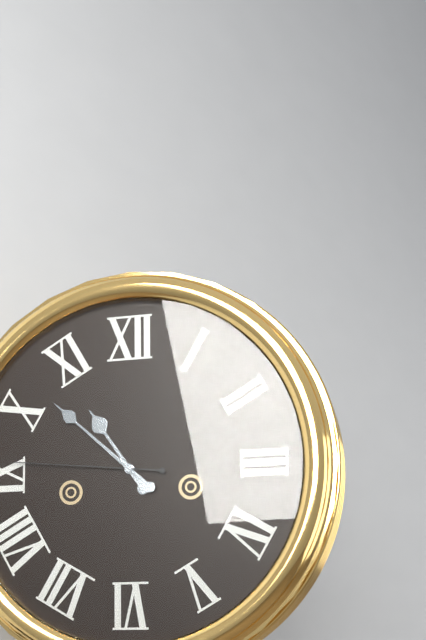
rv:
10.52.46
